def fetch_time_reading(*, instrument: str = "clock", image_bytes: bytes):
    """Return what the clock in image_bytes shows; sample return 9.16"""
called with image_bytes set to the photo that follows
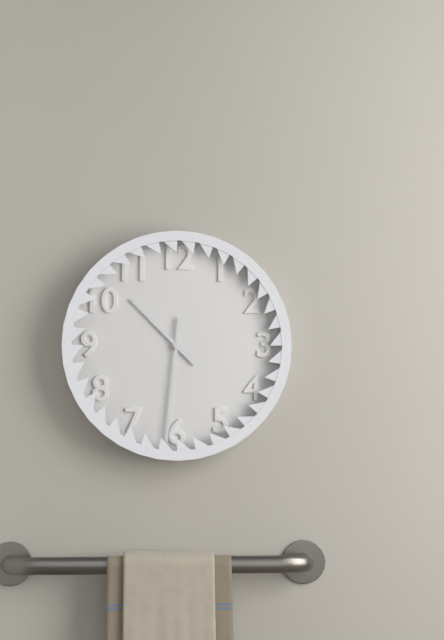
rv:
10.31
